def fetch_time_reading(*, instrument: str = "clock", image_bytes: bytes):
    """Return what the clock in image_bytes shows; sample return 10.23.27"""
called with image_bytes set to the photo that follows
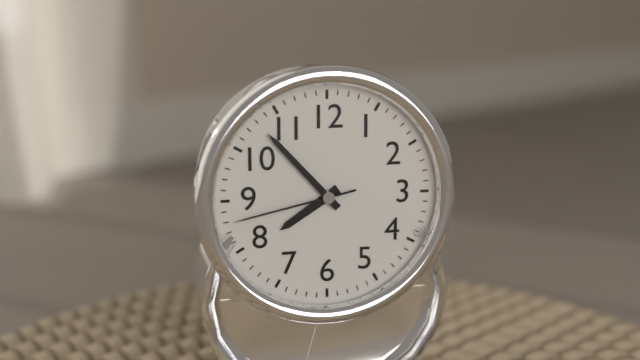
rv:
7.53.43
